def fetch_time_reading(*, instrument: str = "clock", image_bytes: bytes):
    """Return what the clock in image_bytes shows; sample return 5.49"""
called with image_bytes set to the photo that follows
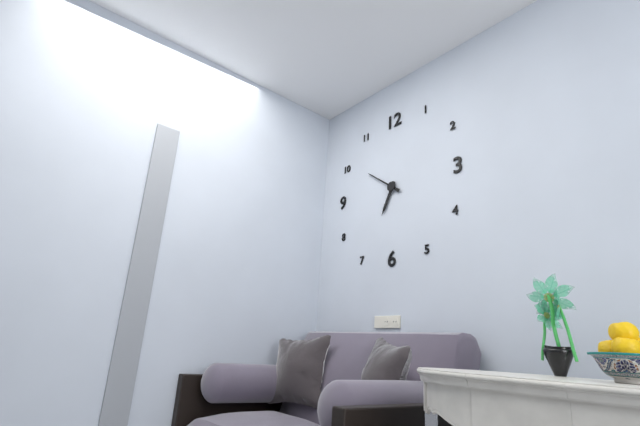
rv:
6.51
